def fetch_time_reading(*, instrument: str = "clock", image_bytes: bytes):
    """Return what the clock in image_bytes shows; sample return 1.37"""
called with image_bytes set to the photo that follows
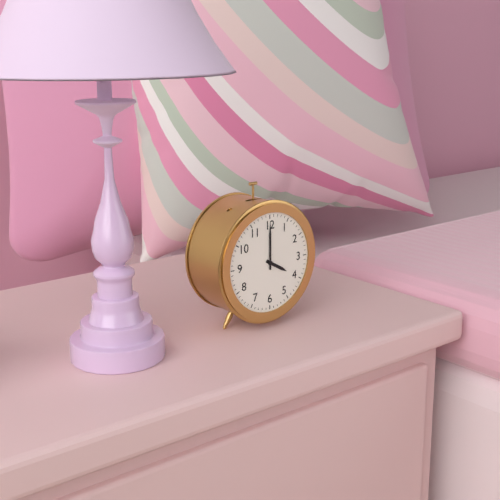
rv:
4.00
